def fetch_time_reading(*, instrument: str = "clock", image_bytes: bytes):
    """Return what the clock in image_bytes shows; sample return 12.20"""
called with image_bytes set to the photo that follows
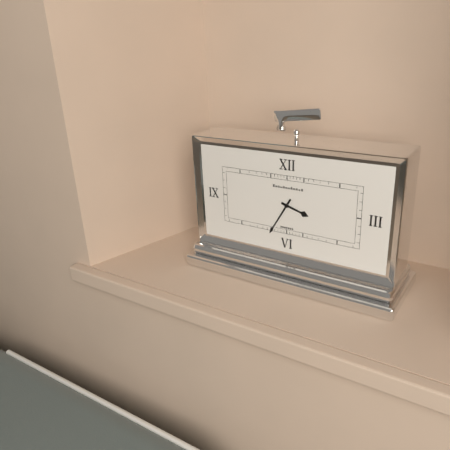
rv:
3.35
